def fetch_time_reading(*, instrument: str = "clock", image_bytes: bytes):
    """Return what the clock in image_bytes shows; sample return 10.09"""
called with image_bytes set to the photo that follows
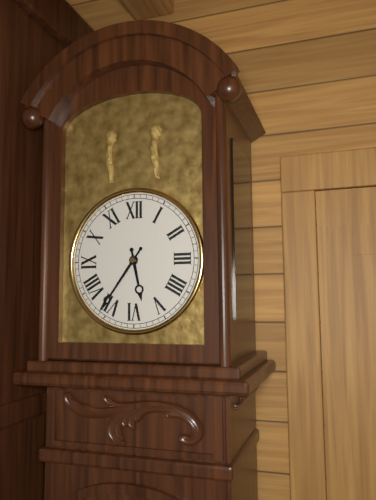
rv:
5.36
